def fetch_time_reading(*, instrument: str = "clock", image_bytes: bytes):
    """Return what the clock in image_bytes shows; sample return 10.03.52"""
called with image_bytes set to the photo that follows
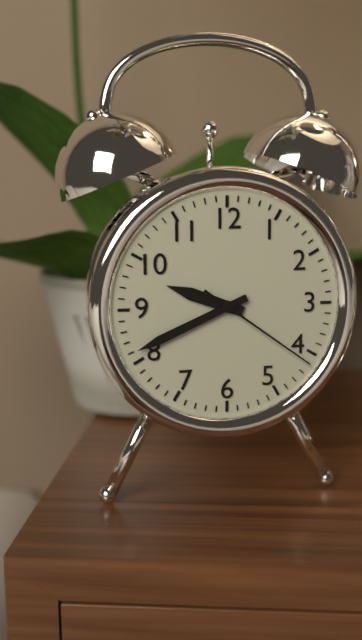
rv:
9.41.21
